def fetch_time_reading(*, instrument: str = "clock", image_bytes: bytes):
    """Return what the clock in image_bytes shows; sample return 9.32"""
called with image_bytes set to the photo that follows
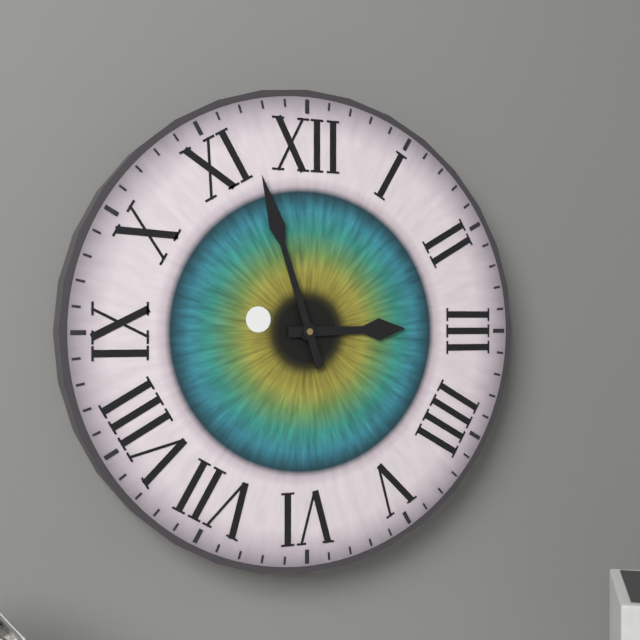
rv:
2.57
